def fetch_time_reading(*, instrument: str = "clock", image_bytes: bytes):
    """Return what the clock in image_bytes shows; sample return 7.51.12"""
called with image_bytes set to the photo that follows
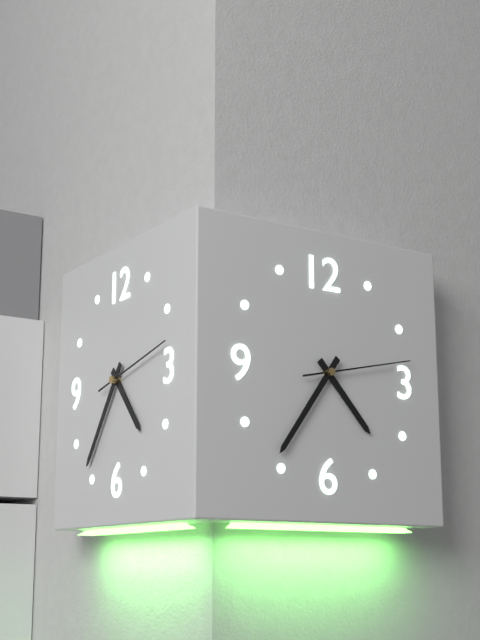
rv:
4.36.13
